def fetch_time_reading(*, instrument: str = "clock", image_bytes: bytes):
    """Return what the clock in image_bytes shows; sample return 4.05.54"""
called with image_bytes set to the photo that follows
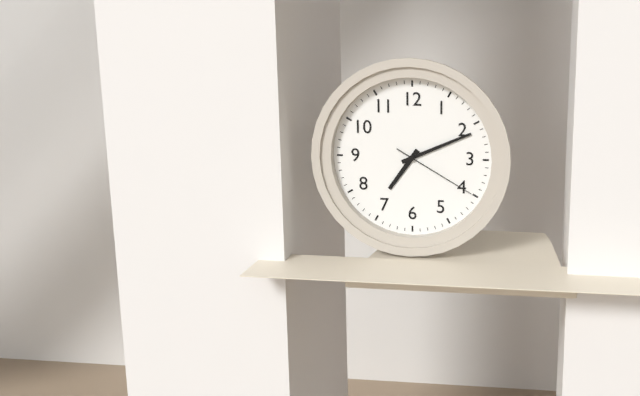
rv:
7.11.20
